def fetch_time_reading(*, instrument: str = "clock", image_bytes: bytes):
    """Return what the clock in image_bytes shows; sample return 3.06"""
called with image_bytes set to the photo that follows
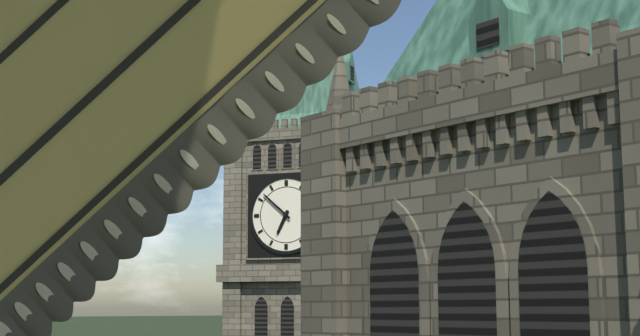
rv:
6.52
